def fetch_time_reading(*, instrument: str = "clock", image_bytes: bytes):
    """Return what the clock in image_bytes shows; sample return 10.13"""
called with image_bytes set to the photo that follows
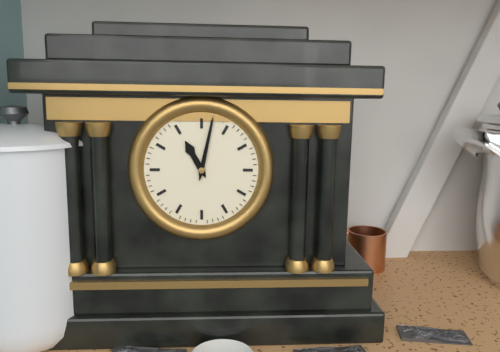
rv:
11.02
